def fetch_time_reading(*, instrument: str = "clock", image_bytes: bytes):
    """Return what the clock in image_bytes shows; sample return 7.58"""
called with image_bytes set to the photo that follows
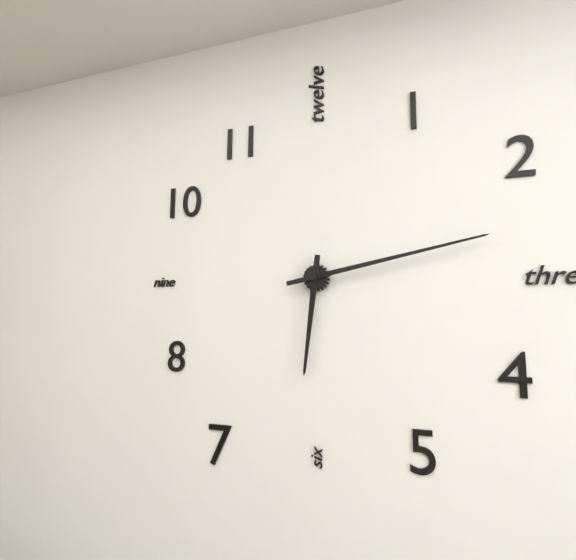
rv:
6.13
